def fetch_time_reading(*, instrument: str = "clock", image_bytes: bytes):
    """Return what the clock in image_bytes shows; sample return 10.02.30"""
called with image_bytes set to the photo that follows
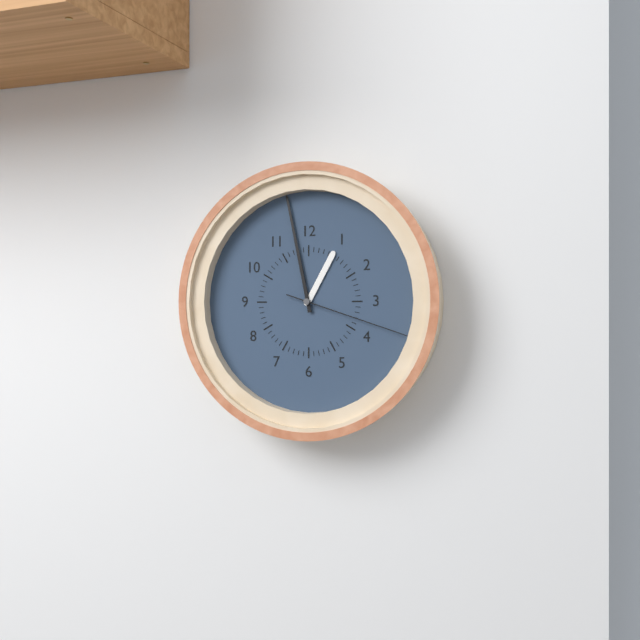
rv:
12.58.18
